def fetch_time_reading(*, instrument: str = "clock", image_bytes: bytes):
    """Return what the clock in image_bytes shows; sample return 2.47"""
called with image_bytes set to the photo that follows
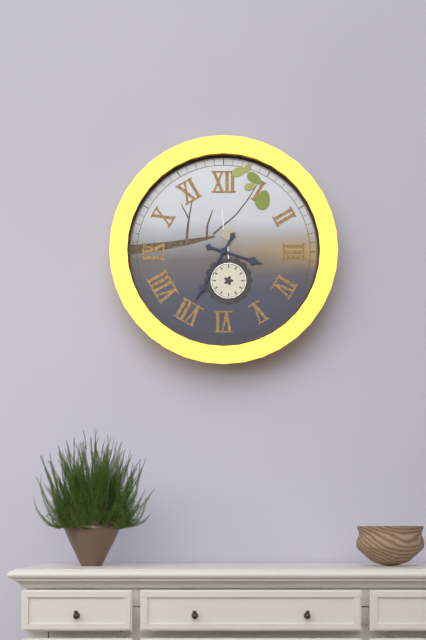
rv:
3.35
